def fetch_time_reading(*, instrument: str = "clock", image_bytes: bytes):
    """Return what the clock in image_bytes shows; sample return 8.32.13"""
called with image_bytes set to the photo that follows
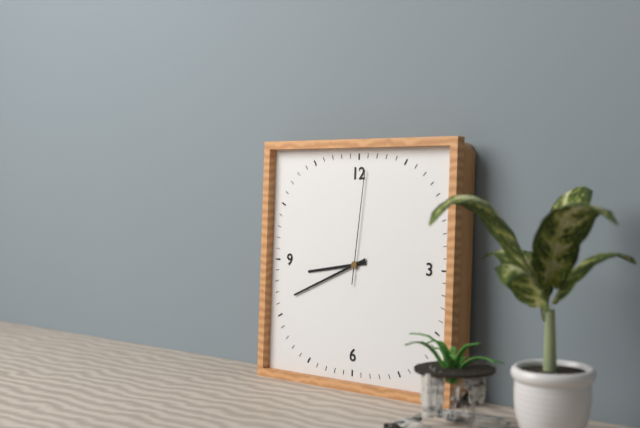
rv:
8.41.01
